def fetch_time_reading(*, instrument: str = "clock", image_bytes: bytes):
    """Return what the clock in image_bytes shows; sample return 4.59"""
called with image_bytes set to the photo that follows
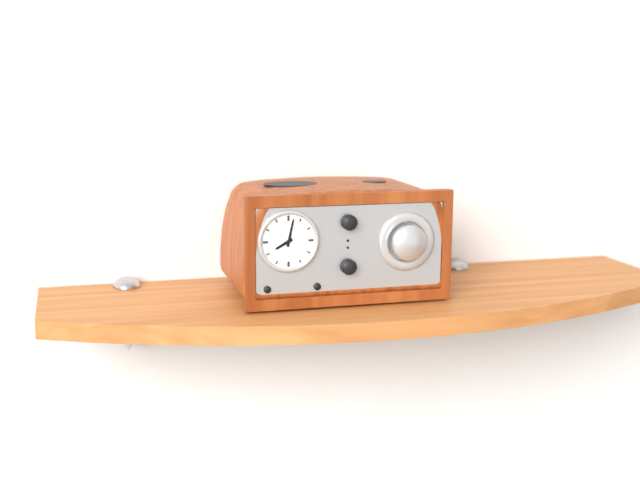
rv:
8.02
